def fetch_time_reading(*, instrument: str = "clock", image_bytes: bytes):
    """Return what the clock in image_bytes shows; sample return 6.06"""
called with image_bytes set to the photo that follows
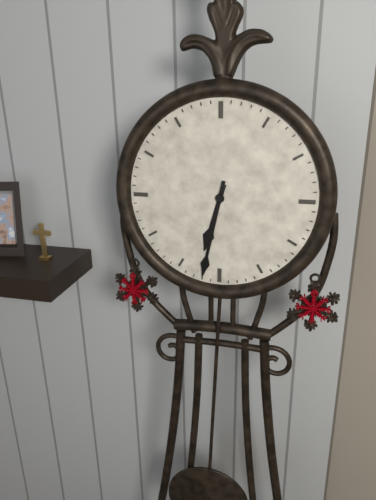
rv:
6.32
